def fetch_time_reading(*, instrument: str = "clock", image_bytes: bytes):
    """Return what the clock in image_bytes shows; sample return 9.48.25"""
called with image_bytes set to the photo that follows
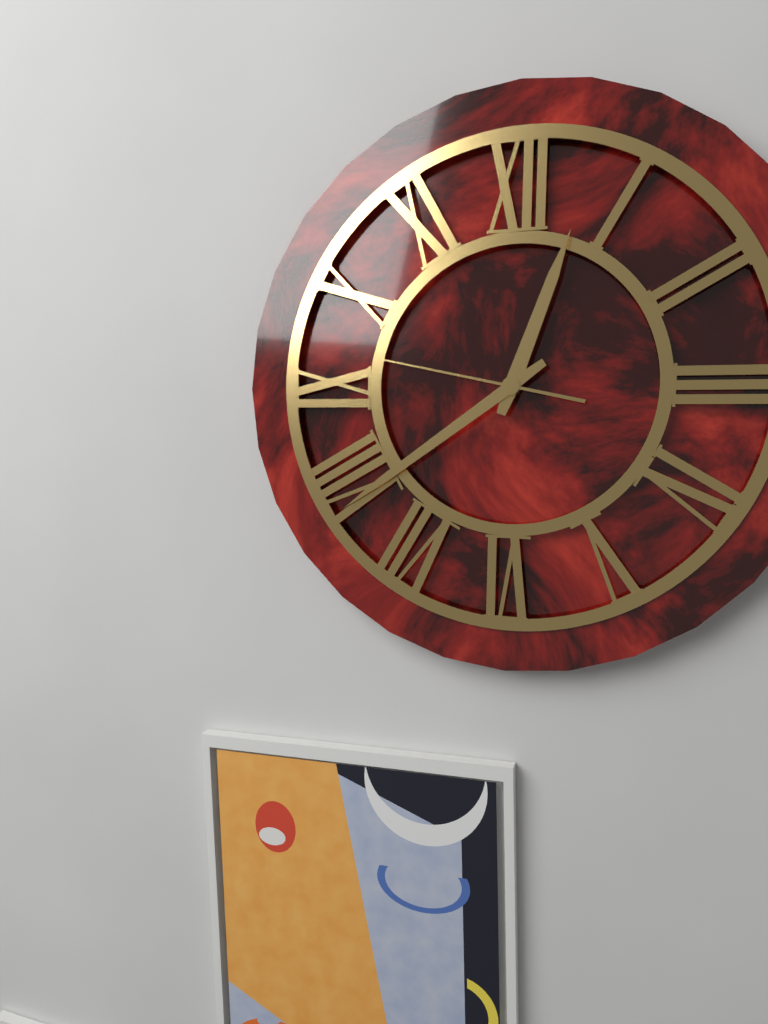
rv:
12.39.47
